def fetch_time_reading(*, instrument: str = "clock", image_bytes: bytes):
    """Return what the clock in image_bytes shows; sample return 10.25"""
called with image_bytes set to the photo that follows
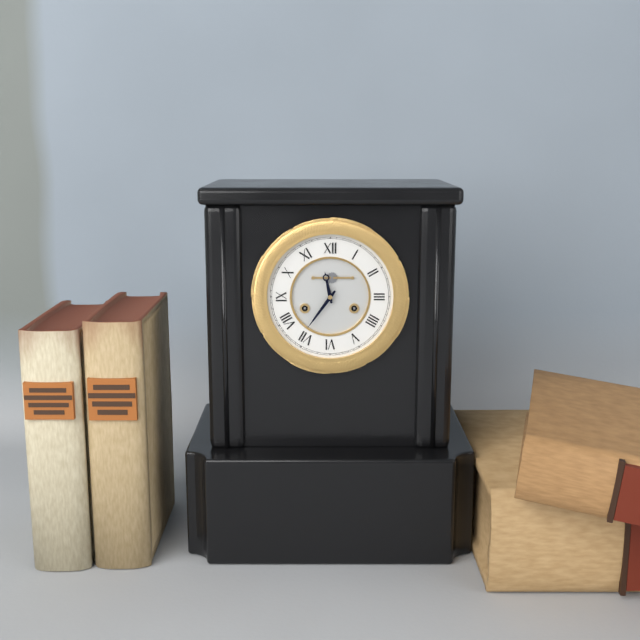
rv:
11.36
